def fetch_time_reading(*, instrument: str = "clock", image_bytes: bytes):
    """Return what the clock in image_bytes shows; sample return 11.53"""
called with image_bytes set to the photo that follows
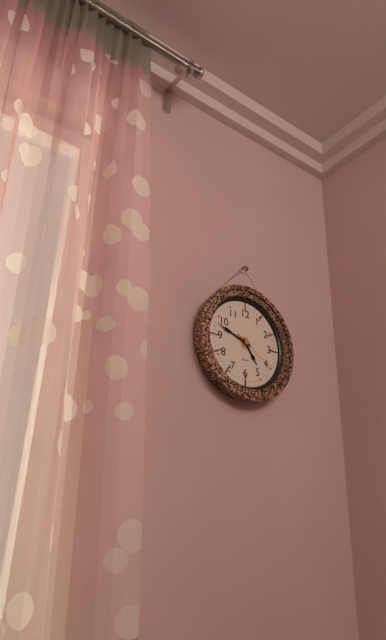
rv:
4.48
